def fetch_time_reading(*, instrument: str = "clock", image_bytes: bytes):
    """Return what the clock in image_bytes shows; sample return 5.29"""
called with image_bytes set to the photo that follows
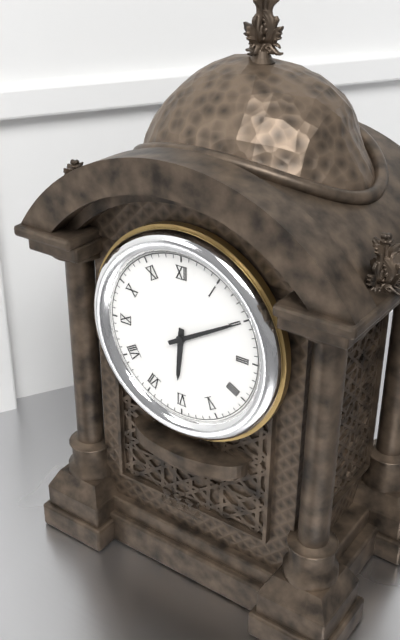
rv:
6.10
